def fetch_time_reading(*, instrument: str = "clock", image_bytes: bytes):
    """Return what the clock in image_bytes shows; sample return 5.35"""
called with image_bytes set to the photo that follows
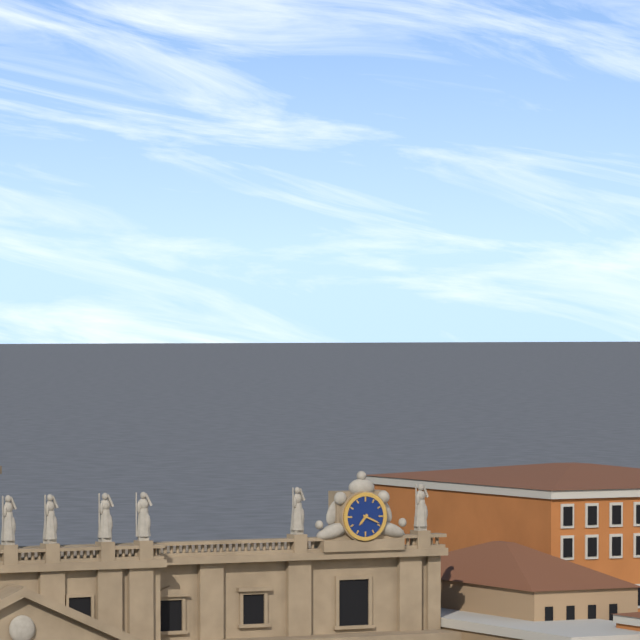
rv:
7.19
